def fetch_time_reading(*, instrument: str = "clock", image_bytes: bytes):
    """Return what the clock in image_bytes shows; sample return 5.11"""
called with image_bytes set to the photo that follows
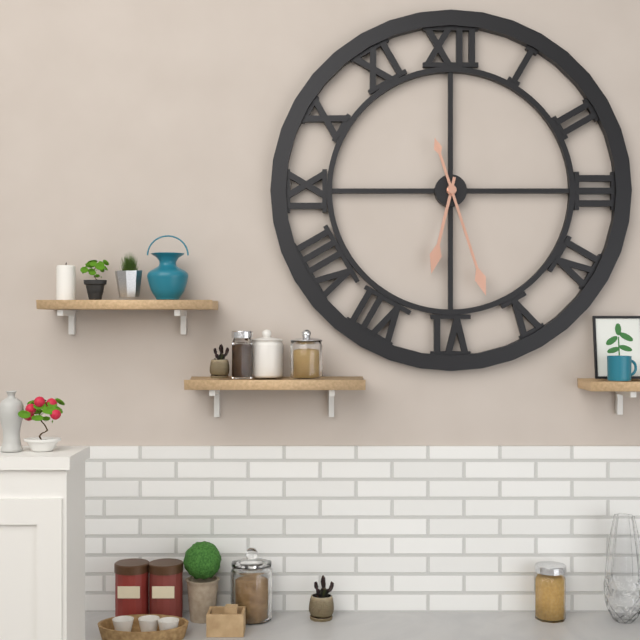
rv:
6.27
